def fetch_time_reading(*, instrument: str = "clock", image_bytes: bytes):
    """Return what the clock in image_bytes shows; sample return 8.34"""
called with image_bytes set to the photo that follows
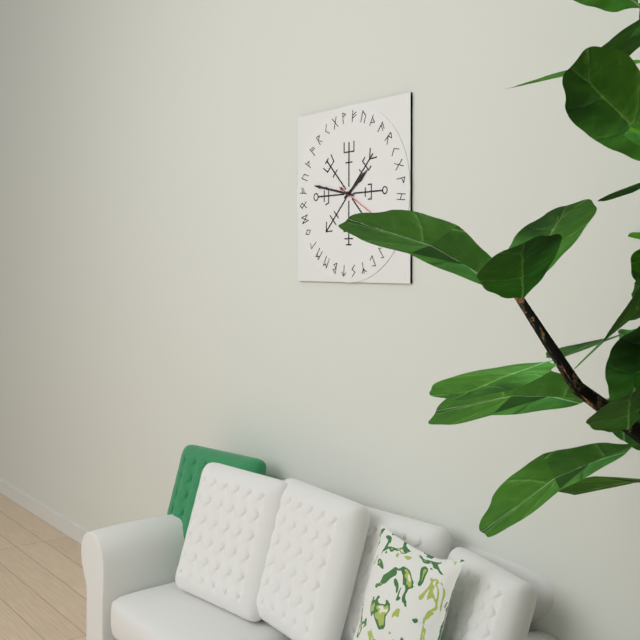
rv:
1.47
